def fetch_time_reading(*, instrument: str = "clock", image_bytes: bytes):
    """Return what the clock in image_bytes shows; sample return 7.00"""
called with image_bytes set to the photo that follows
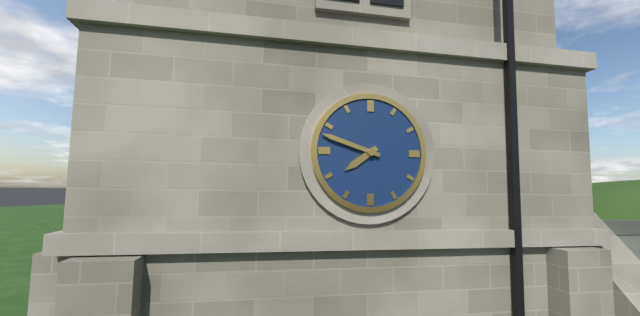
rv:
7.48
